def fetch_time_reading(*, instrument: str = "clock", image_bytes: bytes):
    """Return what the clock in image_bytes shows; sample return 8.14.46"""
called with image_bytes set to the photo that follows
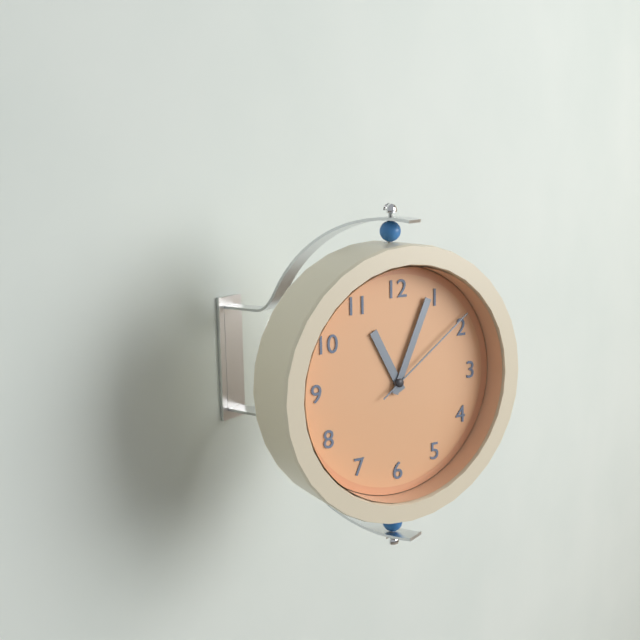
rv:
11.04.09
